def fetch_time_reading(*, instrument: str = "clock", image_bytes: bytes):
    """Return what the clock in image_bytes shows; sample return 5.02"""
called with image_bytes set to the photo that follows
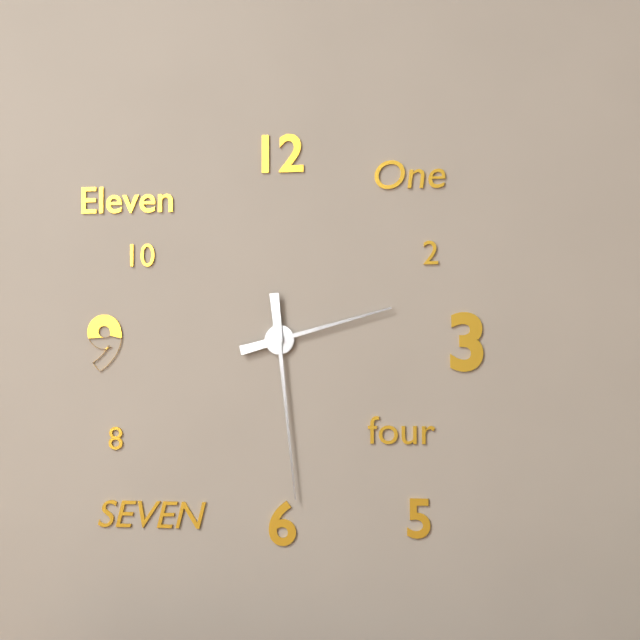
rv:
2.29
